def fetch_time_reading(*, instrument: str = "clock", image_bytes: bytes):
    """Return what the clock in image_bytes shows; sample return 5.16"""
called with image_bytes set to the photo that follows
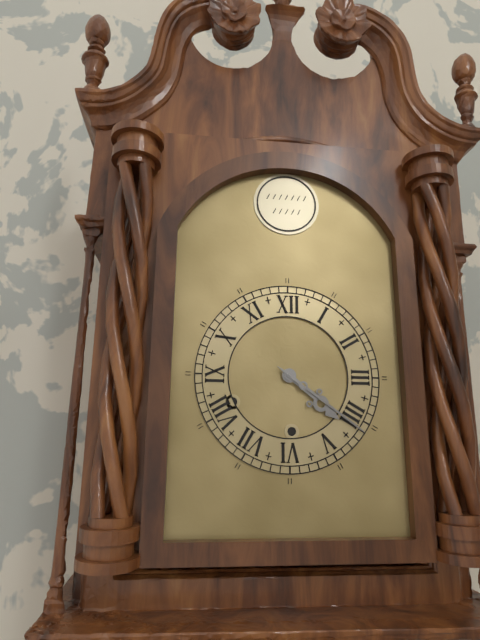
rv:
4.21
